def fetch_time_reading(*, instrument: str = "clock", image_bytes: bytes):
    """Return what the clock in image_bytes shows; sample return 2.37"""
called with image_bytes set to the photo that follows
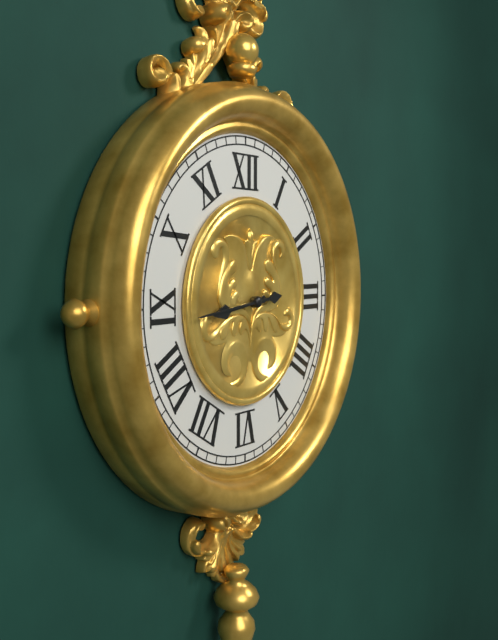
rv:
8.44
